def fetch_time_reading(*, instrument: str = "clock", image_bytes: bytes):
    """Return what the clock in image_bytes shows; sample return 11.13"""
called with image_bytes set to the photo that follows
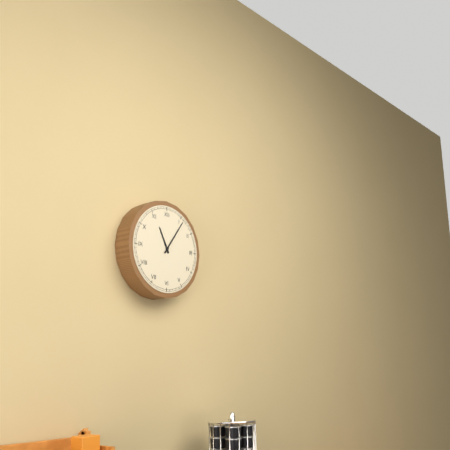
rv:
11.06
